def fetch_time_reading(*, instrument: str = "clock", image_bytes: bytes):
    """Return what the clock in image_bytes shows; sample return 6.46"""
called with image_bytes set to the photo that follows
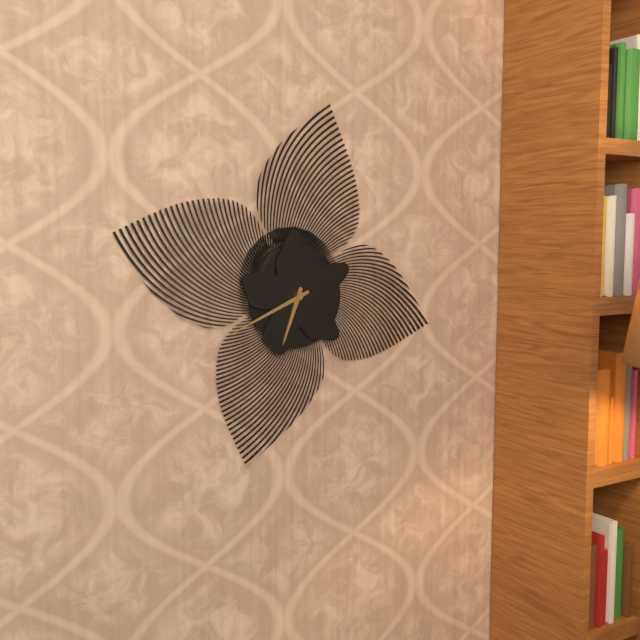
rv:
6.41
